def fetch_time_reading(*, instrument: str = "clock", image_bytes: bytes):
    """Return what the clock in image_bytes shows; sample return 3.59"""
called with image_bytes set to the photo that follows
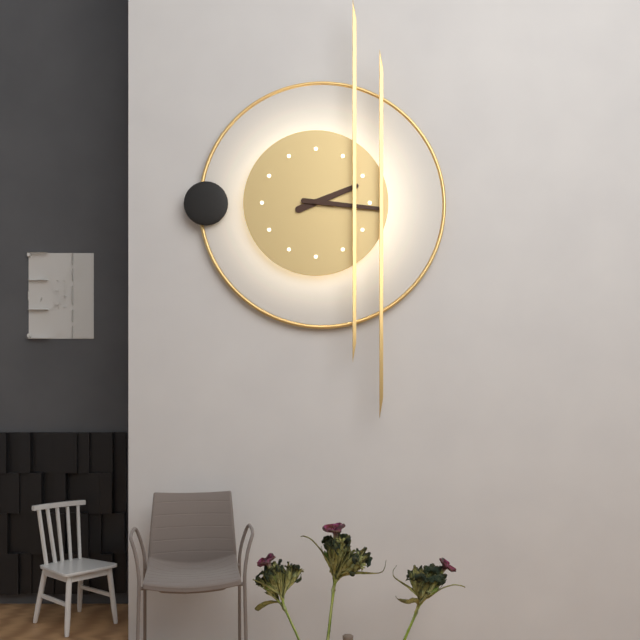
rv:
2.16
